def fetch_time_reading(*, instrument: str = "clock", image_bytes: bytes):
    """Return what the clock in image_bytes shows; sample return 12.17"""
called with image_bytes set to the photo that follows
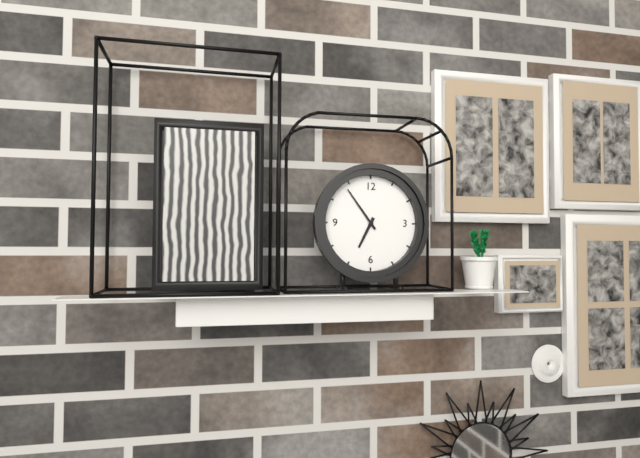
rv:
6.54
